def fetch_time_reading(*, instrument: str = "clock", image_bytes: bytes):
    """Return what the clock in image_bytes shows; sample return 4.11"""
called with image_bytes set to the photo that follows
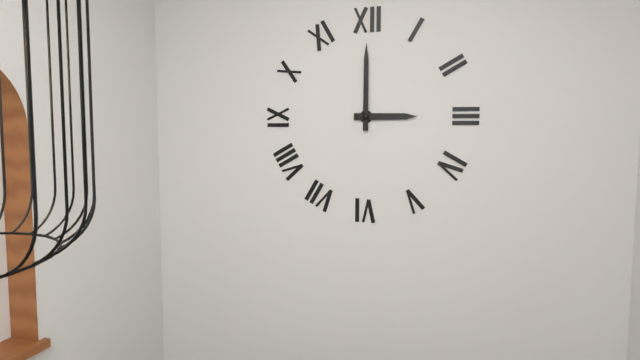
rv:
3.00
